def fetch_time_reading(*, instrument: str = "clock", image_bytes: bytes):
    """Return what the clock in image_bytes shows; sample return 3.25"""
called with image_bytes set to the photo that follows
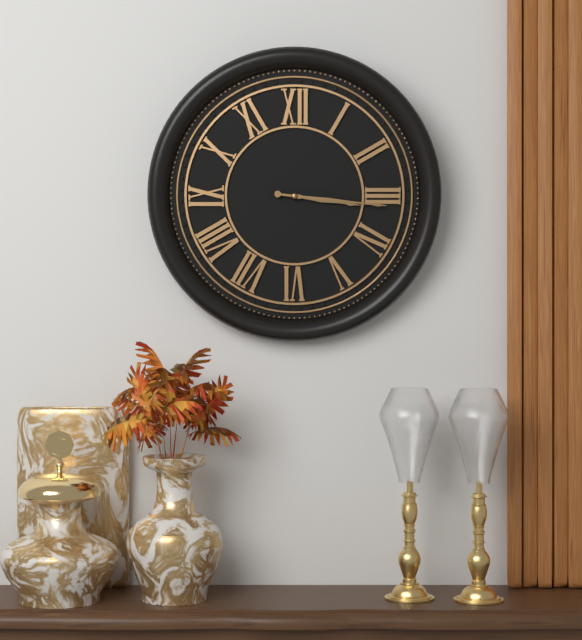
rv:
3.16
